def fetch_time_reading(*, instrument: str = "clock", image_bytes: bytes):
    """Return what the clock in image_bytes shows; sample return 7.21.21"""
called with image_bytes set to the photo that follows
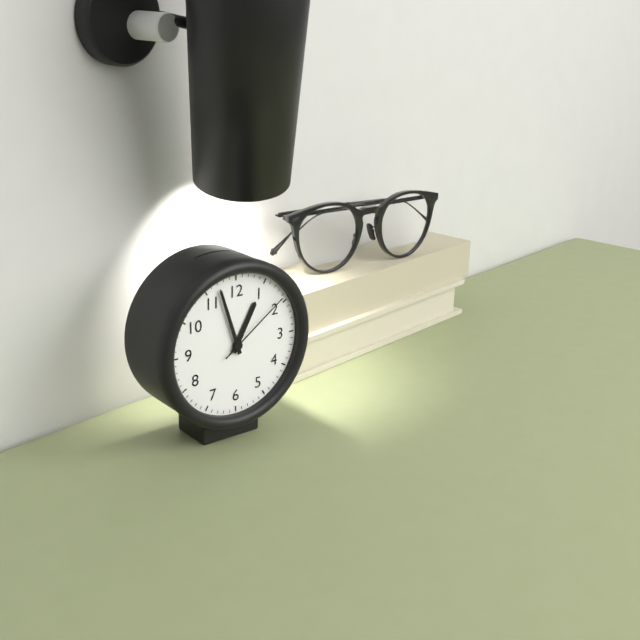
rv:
12.57.09
